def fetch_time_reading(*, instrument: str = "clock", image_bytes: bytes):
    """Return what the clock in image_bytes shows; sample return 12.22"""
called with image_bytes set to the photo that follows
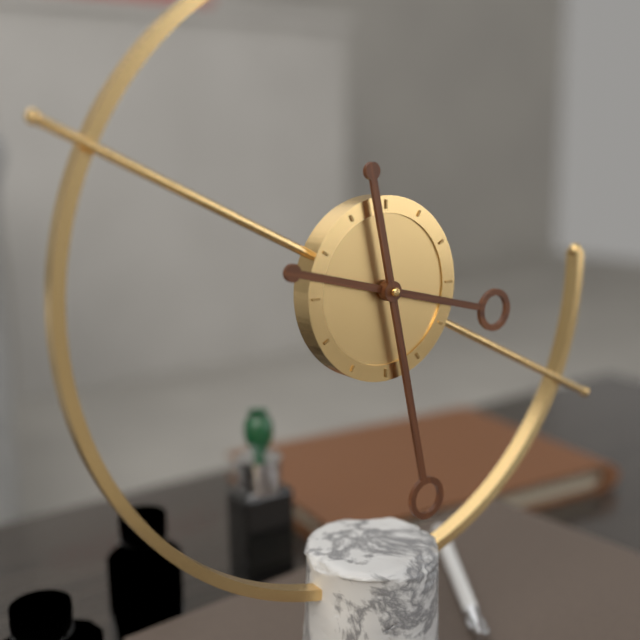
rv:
3.28
